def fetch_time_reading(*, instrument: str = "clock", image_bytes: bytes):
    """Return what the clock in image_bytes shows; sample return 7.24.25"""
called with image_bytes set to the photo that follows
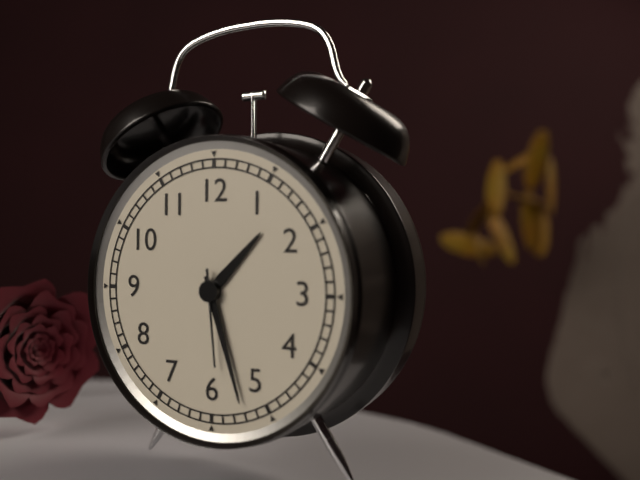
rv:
1.27.29
